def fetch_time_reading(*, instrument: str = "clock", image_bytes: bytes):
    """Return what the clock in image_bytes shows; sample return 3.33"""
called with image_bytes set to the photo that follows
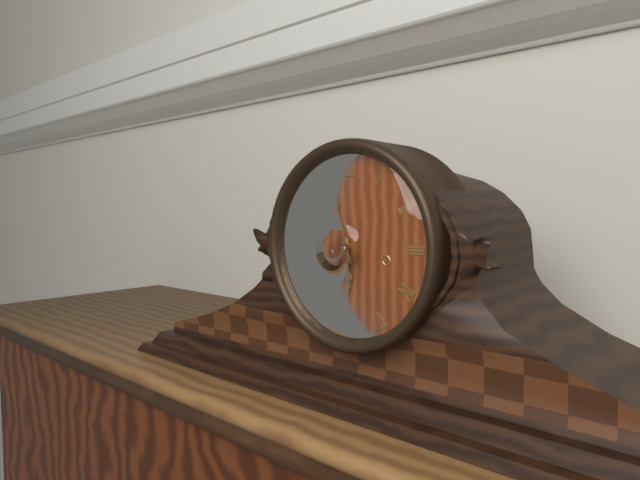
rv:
5.57
